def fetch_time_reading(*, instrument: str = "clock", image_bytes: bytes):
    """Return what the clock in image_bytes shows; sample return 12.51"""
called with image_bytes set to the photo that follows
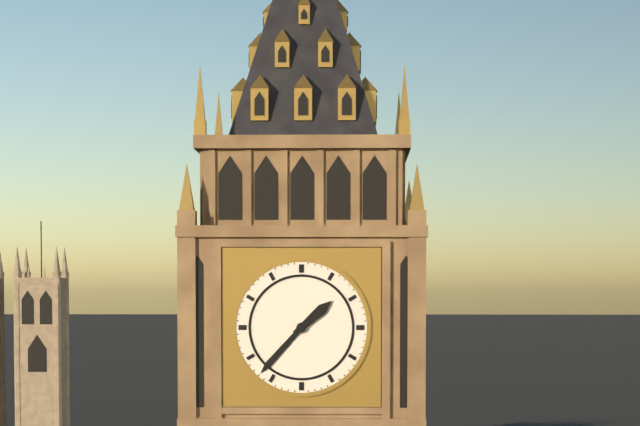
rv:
1.37
